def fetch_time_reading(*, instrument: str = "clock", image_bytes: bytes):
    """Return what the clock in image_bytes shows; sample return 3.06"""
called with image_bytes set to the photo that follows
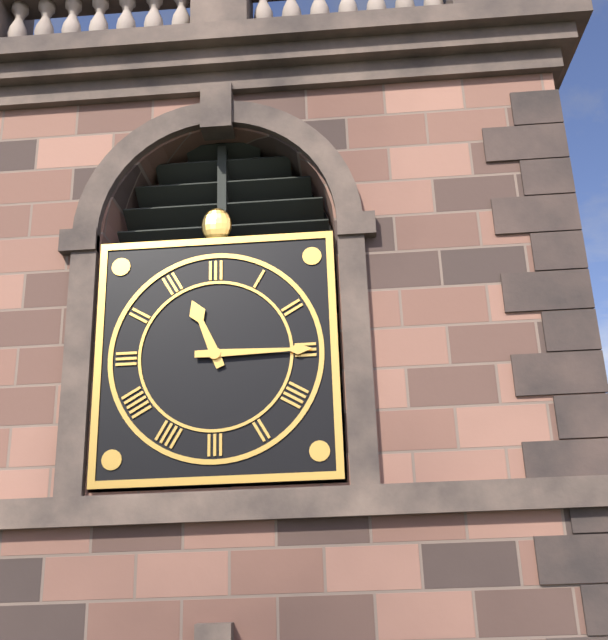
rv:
11.15
